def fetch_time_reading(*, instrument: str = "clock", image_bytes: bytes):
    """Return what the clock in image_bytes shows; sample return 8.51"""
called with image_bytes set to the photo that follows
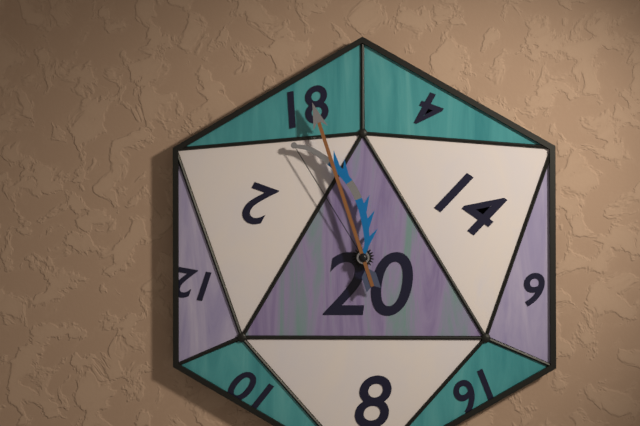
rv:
10.57
